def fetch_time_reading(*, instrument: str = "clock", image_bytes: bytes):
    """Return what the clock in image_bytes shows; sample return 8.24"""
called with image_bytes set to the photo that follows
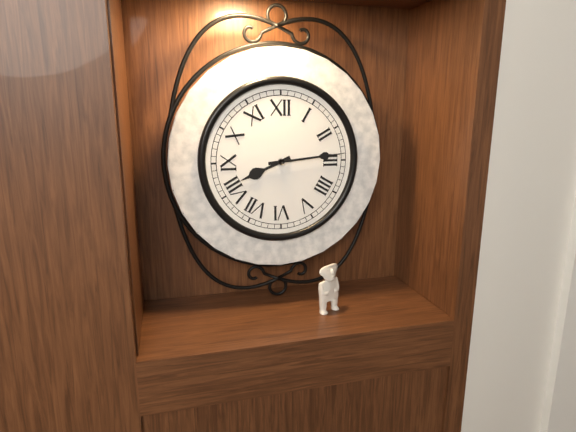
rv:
8.14
